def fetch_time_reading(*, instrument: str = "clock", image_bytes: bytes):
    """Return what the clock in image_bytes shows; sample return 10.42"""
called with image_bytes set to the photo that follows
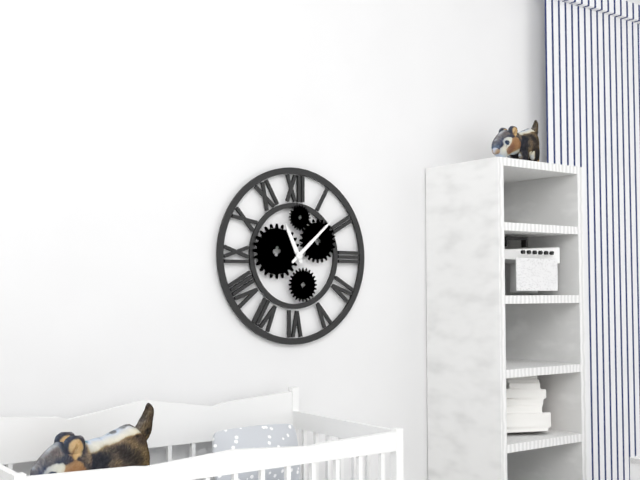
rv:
11.08
